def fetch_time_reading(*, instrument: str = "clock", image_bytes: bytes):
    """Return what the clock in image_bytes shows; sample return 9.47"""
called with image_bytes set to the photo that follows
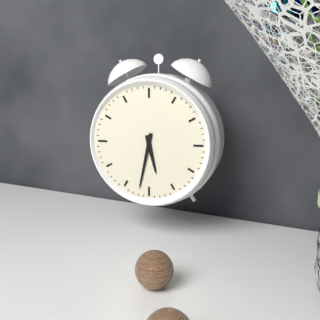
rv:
5.32
